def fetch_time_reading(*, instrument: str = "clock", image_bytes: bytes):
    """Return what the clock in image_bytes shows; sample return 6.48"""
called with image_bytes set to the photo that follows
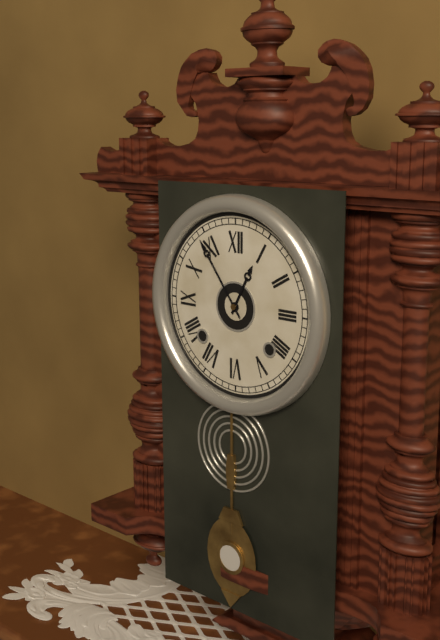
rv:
12.54
